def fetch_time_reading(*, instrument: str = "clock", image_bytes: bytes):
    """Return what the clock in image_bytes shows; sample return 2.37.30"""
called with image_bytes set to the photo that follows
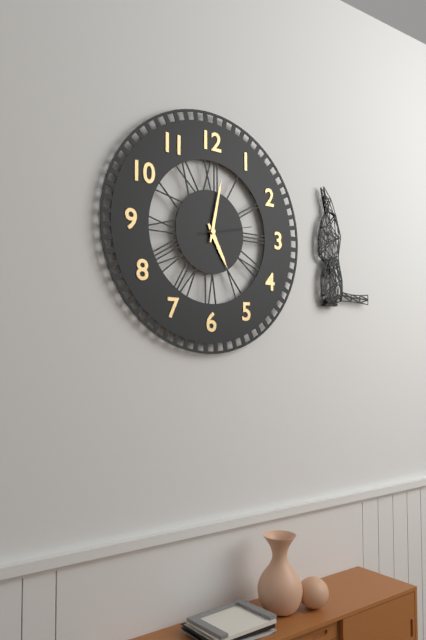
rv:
5.02.13
